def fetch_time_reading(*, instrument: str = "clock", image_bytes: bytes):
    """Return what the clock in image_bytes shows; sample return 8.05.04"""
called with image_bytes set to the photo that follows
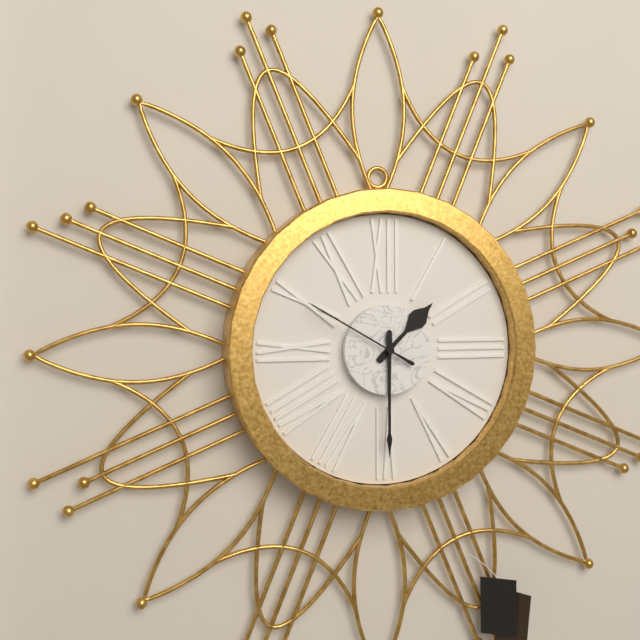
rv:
1.30.50
